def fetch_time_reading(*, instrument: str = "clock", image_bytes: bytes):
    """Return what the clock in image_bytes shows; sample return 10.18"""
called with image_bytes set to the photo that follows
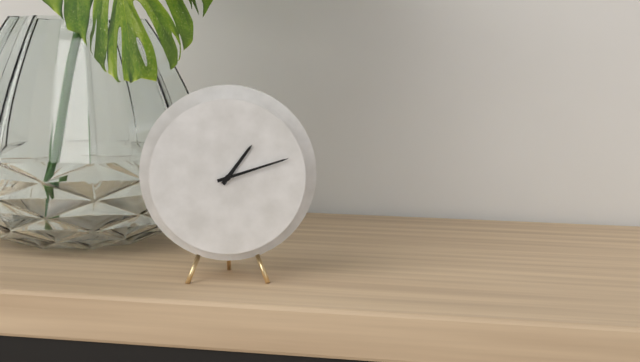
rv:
1.12
